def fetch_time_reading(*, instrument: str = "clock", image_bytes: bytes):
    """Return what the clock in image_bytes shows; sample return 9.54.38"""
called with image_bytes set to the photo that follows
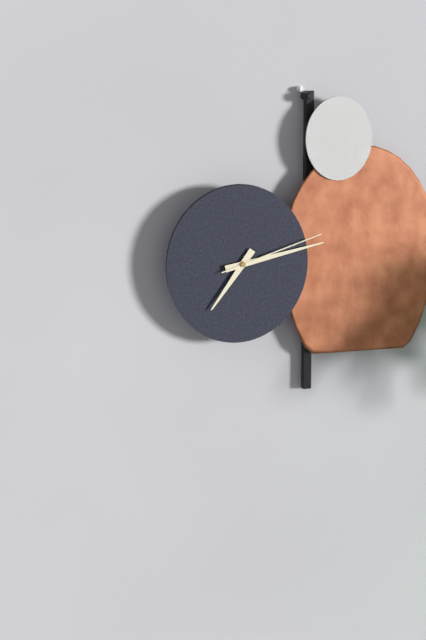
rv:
7.13.12
